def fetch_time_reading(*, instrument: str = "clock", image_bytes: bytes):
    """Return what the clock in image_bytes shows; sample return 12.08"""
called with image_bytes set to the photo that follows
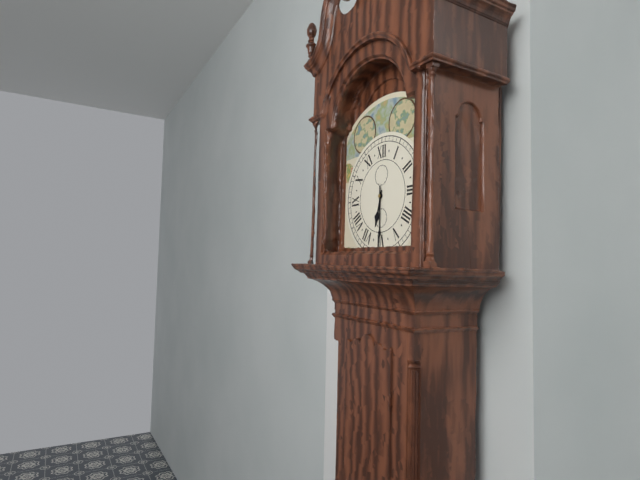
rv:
6.30
